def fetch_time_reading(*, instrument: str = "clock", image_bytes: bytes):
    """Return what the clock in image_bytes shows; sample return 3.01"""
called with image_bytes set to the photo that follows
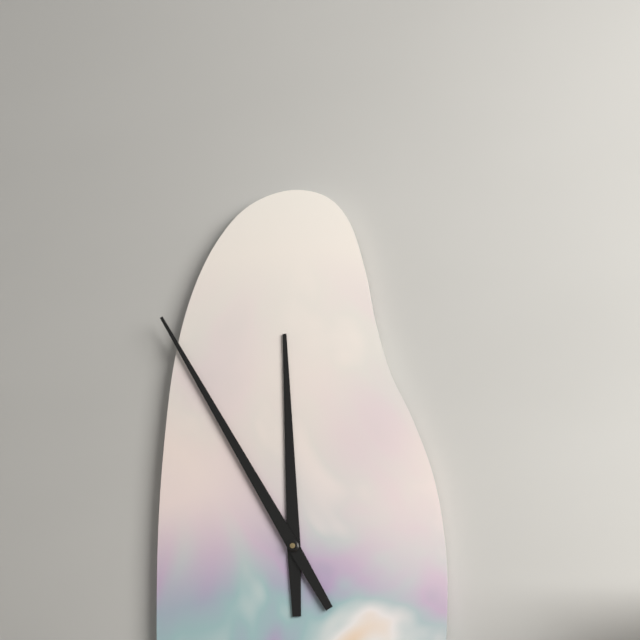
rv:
11.55
